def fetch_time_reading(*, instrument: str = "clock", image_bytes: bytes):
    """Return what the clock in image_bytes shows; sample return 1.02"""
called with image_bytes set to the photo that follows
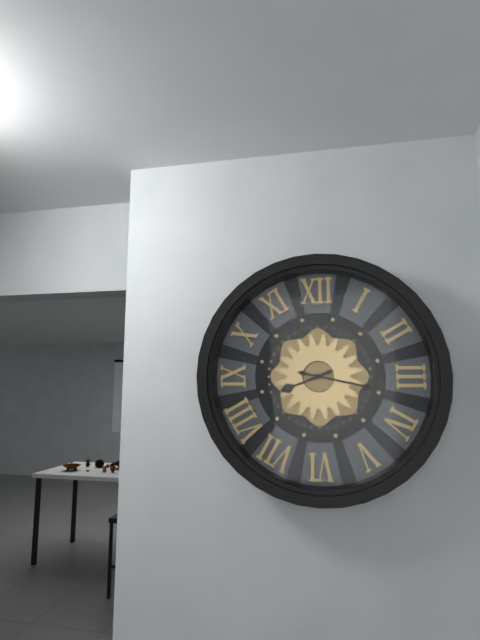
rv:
8.17
